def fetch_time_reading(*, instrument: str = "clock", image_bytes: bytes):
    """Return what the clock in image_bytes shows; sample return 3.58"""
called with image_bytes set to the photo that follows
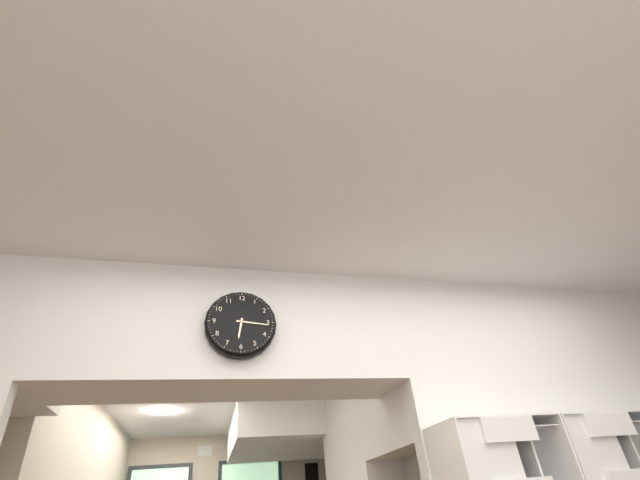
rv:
6.16
